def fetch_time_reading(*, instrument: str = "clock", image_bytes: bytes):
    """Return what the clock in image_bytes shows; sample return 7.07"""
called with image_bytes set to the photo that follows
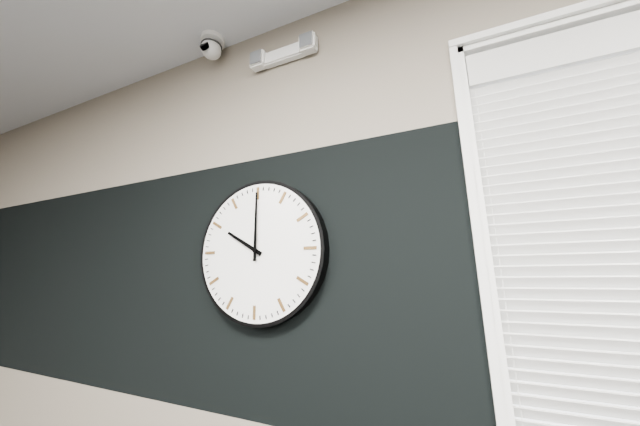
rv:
10.00
